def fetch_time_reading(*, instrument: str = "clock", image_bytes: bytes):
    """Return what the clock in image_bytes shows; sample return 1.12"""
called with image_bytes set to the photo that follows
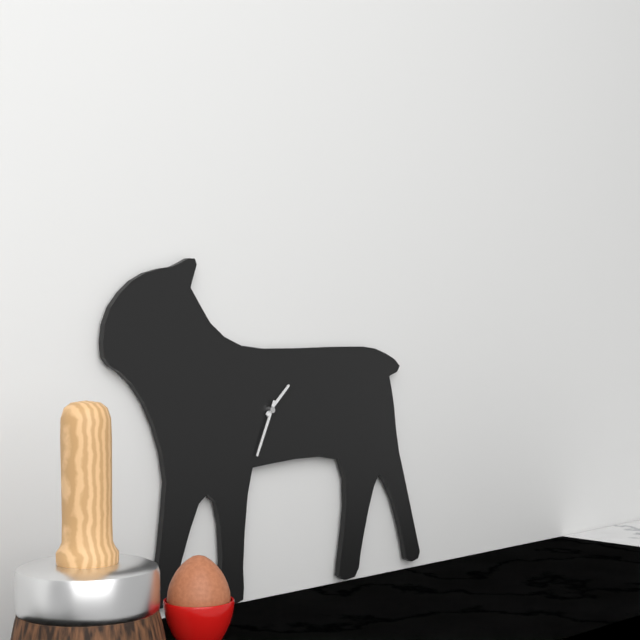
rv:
1.34
